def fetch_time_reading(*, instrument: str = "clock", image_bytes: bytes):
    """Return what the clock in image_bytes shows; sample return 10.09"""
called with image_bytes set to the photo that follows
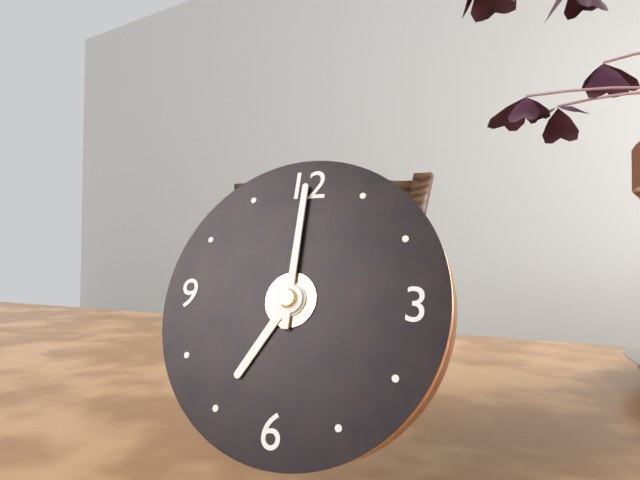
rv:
7.00
